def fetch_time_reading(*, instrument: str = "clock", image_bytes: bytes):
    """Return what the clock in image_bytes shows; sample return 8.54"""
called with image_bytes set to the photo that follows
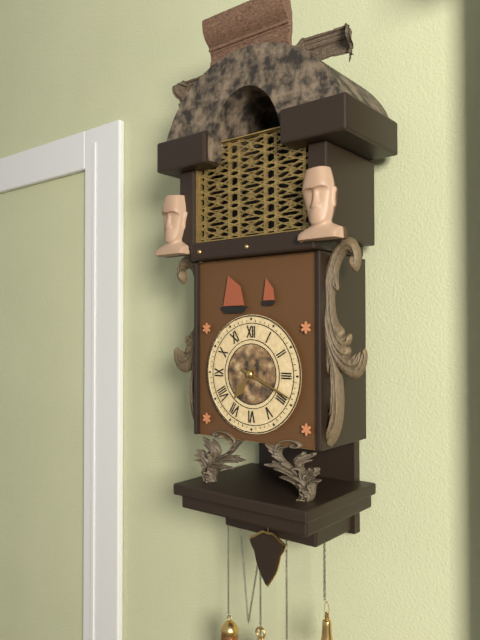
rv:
7.19
